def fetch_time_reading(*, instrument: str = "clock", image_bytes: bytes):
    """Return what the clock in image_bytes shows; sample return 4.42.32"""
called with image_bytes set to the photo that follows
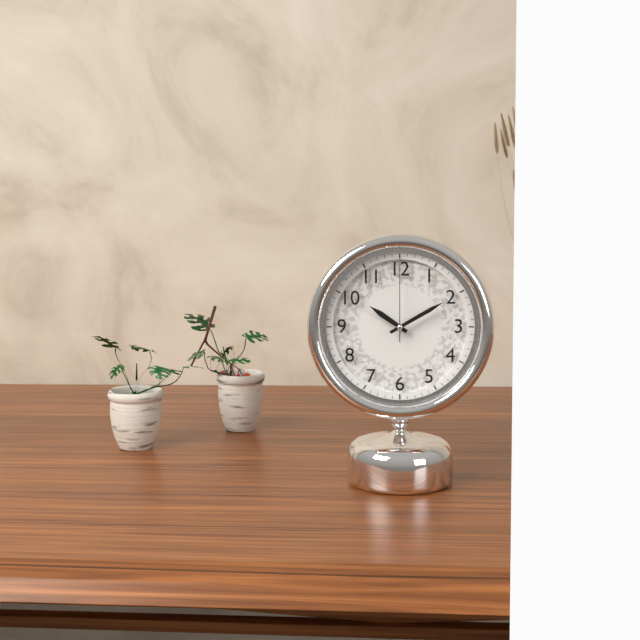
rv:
10.10.00
